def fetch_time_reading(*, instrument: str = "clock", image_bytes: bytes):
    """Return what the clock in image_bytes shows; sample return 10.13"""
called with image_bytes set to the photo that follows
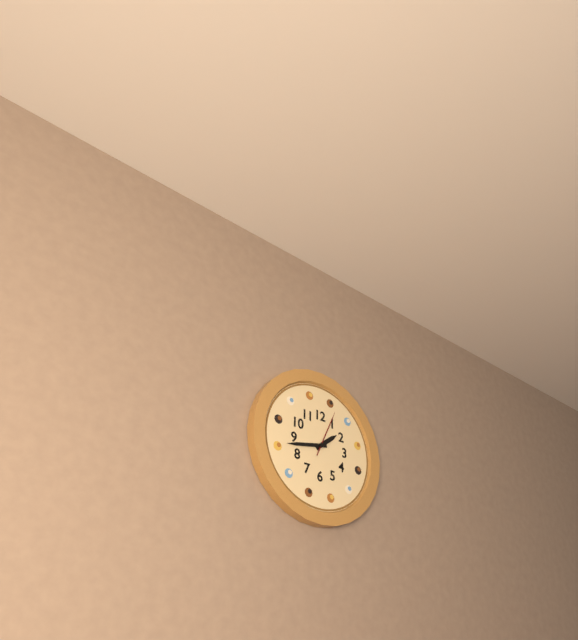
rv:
1.43
